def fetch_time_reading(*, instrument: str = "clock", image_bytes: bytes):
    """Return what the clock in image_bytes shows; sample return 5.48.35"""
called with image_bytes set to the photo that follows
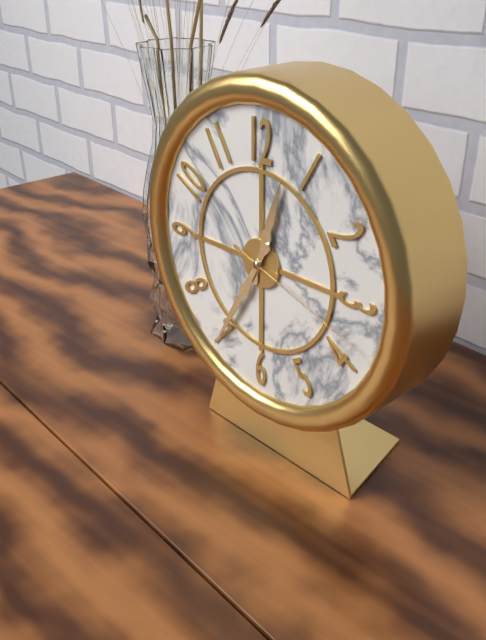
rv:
12.35.18
